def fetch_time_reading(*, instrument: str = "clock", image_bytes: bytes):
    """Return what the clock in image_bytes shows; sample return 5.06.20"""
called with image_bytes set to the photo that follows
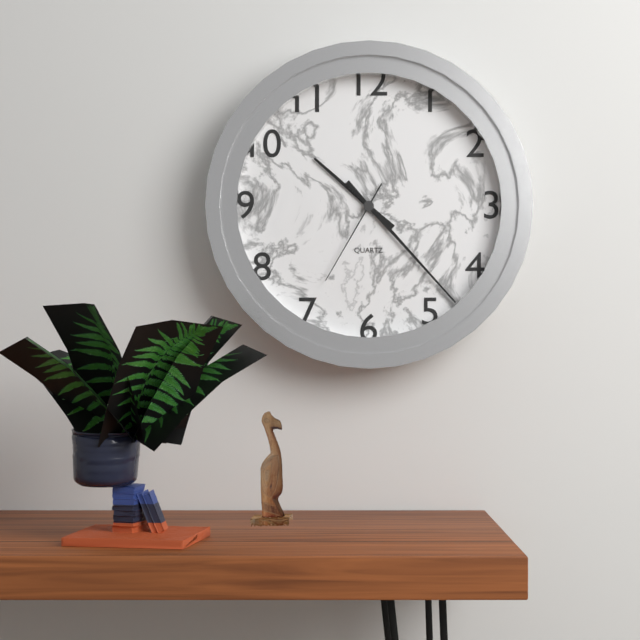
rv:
10.23.35
